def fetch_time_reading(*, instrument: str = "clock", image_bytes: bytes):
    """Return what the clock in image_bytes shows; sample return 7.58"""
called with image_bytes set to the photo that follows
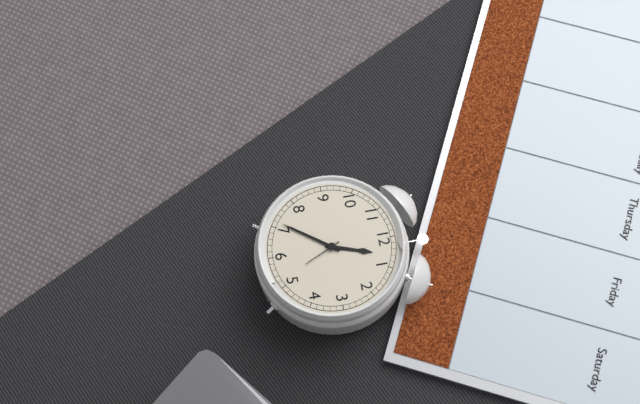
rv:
12.36
